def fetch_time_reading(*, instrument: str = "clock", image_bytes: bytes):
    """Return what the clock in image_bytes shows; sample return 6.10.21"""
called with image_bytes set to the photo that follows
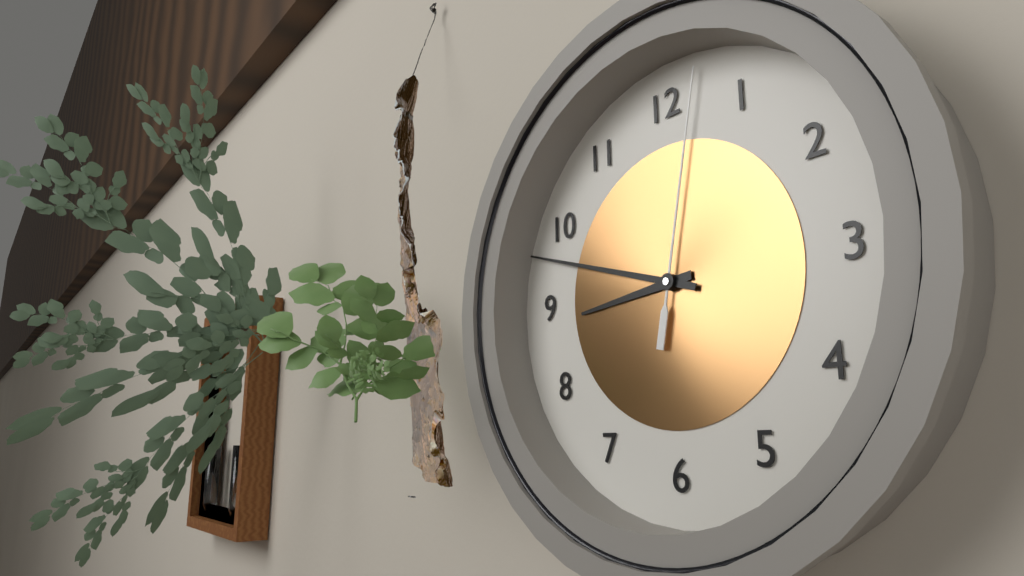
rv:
8.48.02
